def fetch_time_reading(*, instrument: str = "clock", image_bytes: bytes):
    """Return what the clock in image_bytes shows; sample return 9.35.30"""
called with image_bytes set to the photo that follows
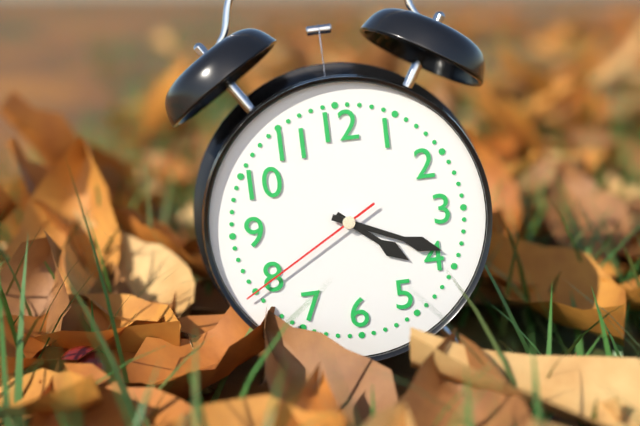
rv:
4.19.40
